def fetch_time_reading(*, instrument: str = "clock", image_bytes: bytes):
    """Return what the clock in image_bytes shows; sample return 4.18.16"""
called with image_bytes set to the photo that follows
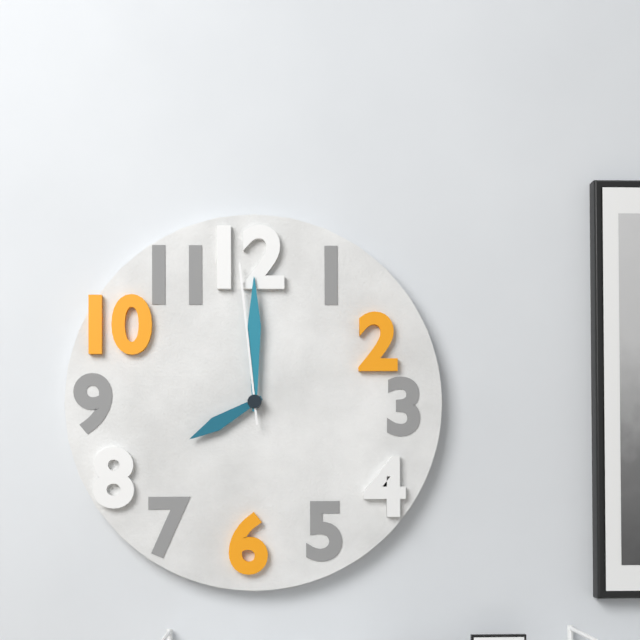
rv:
8.00.59
